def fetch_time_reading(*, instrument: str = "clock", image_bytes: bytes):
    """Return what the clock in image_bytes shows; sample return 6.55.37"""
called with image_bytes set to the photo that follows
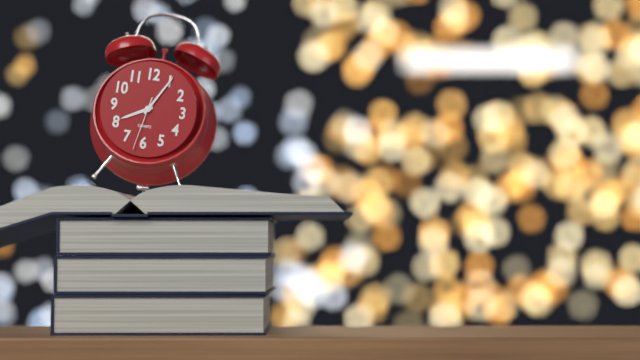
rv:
8.05.32
